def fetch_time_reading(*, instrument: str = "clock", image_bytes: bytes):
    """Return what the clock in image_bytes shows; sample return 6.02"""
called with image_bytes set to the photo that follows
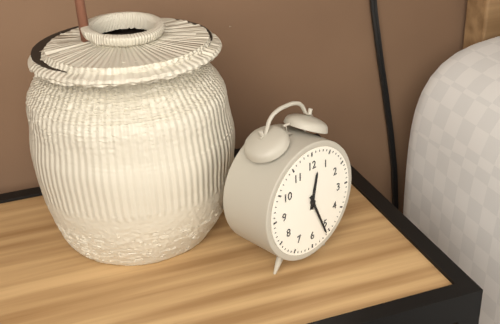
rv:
12.26
